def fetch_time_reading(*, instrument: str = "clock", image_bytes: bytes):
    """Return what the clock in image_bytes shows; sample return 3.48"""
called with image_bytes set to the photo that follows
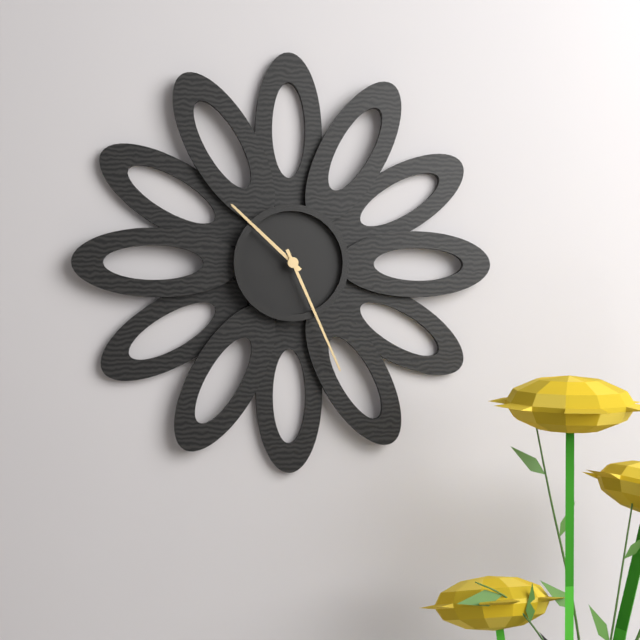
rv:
10.26
